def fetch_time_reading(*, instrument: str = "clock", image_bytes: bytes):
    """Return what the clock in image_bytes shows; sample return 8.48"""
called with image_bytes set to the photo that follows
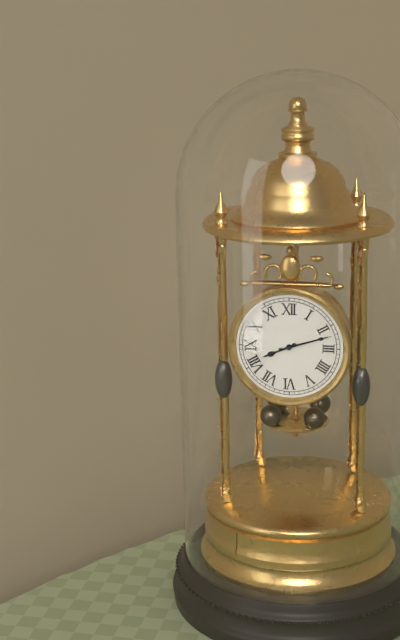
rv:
8.12
